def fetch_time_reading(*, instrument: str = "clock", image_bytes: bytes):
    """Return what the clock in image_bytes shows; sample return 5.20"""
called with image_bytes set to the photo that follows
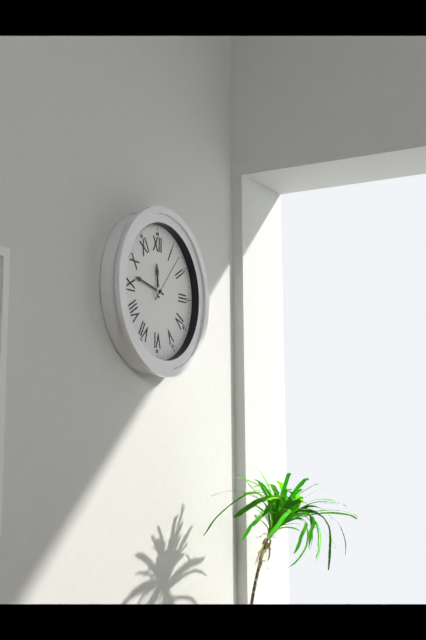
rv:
11.47
